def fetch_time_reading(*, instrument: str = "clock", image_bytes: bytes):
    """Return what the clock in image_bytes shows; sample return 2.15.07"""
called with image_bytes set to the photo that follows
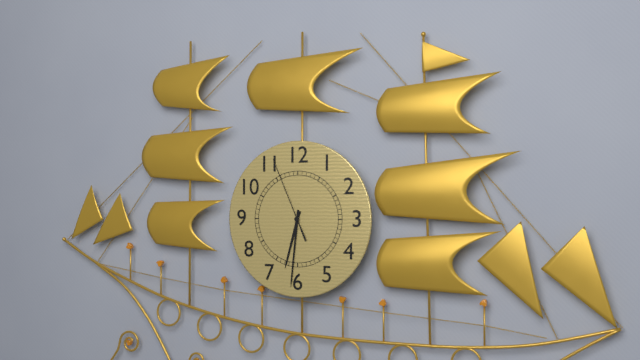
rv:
6.31.56
